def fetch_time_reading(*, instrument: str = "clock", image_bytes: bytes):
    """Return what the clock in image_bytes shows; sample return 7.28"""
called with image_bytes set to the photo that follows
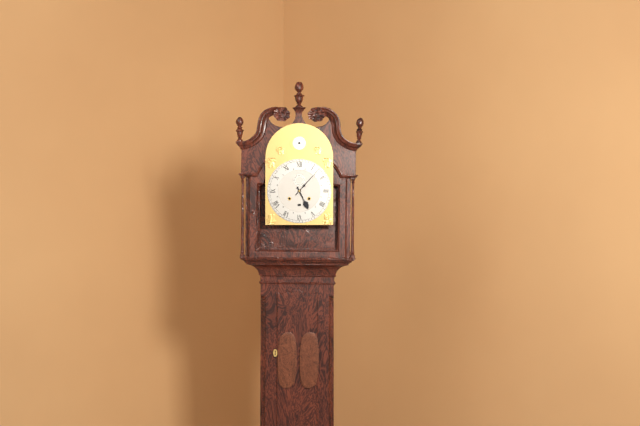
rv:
5.07
